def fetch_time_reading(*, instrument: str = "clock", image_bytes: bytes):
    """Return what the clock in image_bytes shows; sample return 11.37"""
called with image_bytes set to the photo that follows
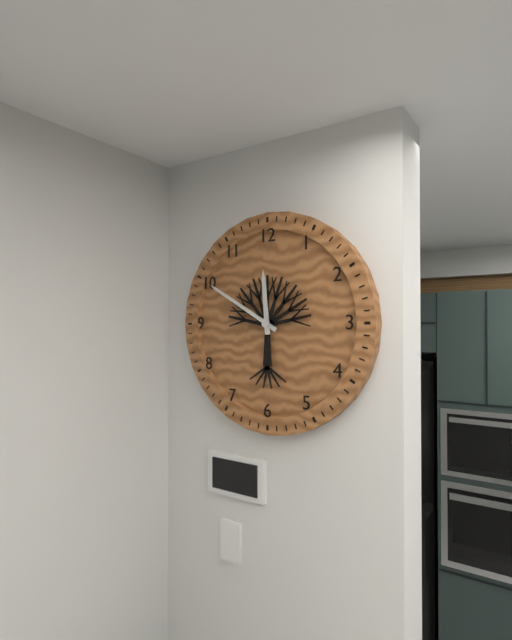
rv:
11.50
